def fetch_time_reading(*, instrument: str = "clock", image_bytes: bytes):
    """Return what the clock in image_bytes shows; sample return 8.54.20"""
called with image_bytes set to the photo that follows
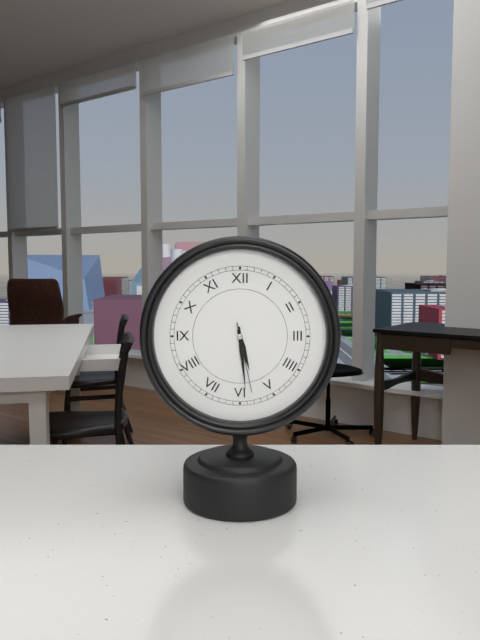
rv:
5.29.28
